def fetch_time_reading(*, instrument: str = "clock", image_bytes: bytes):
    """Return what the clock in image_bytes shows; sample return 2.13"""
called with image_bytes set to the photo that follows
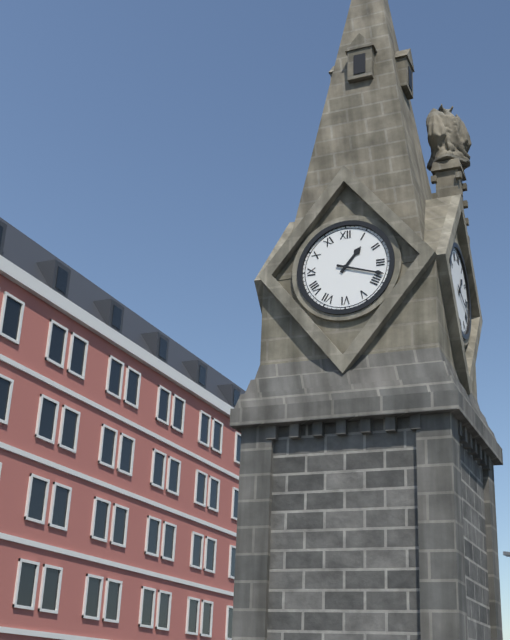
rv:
1.18
